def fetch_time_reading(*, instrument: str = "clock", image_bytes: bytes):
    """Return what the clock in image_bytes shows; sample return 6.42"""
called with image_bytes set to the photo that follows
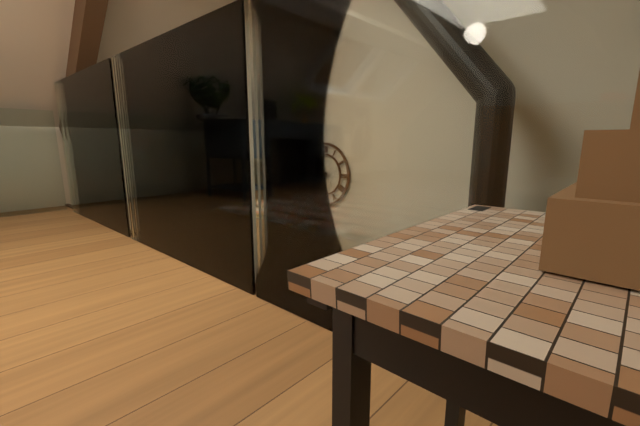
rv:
7.52
